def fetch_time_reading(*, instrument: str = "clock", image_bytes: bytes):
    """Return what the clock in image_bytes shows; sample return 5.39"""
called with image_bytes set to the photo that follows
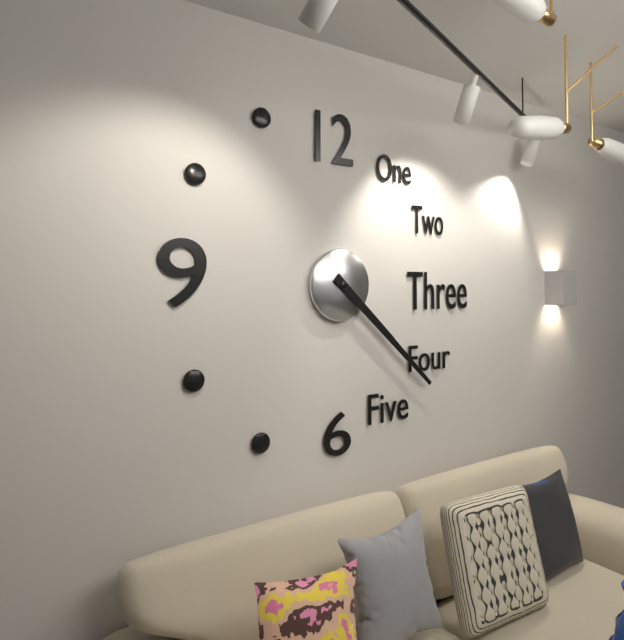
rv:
4.22
